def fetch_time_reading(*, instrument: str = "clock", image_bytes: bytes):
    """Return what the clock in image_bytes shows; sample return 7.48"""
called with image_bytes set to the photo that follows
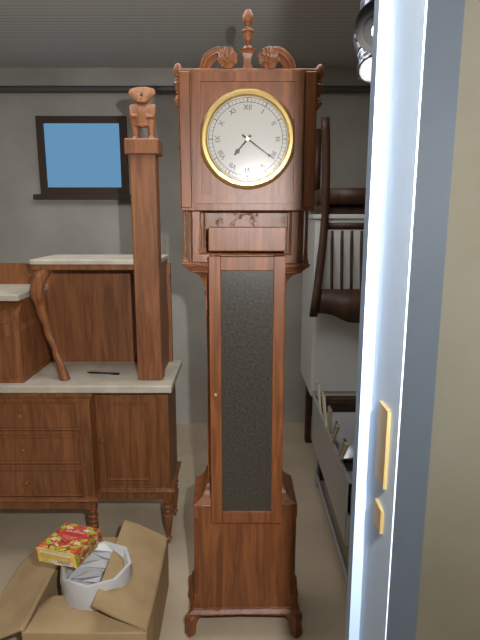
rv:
7.21
